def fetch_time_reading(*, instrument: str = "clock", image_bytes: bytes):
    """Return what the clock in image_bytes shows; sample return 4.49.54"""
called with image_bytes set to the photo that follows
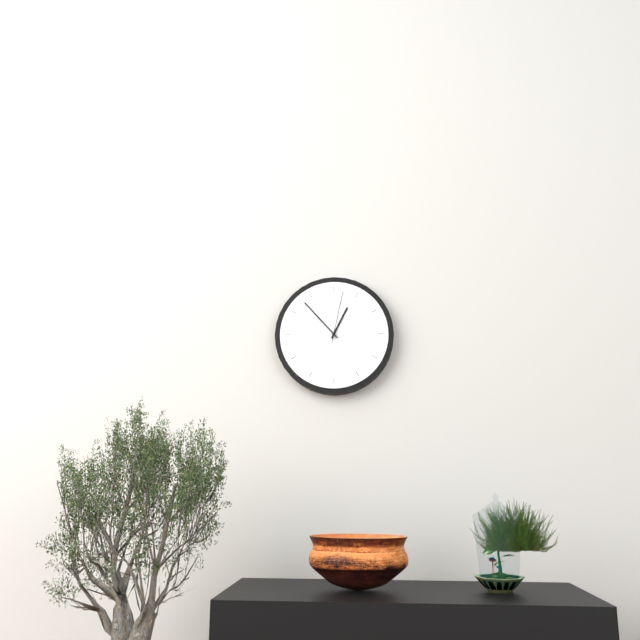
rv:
12.53.02
